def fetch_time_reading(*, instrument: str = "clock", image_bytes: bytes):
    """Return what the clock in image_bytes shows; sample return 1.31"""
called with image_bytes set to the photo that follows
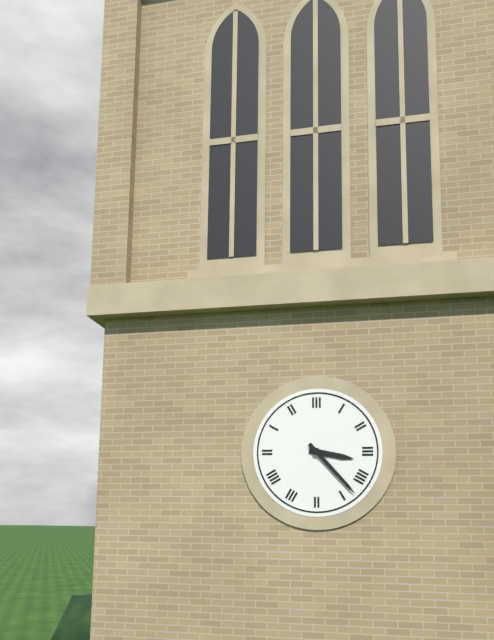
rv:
3.23
